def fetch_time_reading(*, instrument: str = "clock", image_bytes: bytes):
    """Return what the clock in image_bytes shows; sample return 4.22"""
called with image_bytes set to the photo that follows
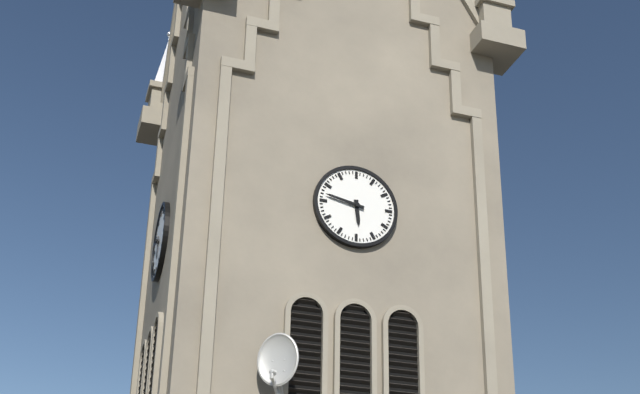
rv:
5.47
